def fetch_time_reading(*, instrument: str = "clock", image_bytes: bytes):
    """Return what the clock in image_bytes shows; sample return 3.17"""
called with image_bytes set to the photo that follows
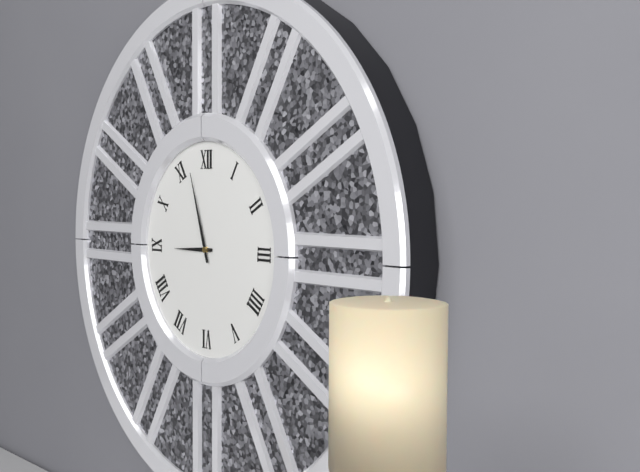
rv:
8.57
